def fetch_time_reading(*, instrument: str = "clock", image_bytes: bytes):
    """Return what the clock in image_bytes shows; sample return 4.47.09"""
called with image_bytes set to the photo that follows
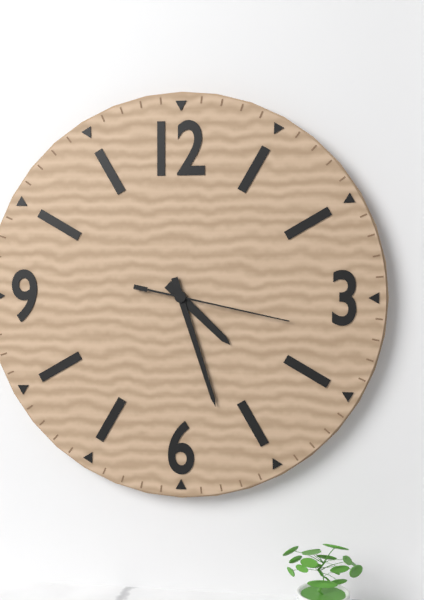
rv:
4.27.17
